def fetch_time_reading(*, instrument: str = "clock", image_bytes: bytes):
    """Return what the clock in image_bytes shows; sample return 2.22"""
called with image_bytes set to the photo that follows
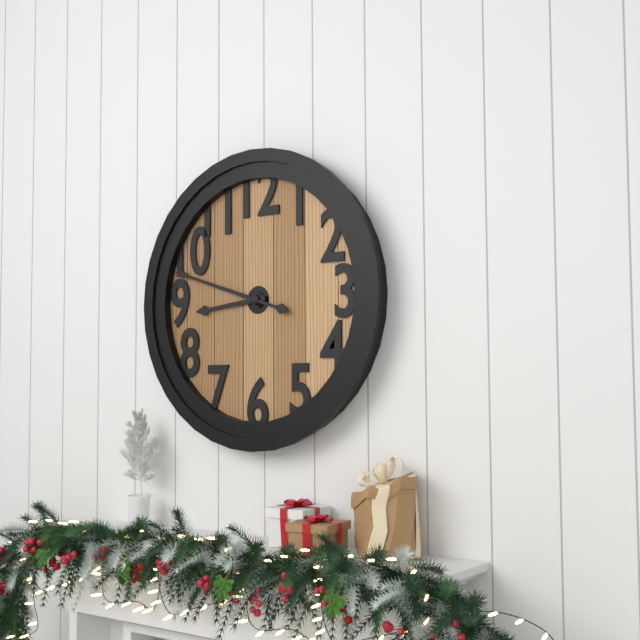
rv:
8.48
